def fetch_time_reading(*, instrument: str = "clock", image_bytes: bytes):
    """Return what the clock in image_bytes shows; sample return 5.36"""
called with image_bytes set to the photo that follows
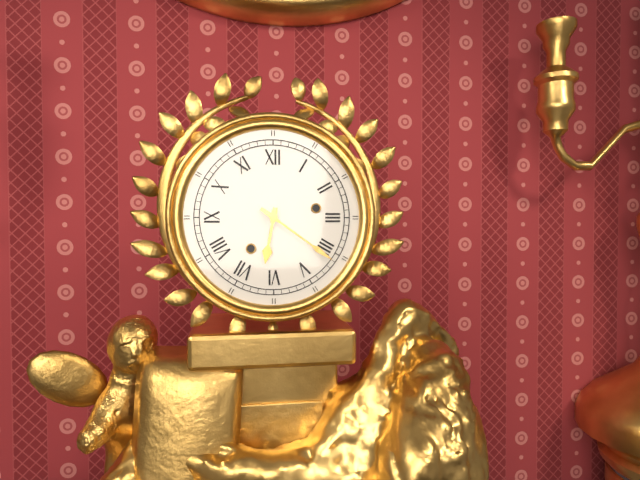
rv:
6.21
